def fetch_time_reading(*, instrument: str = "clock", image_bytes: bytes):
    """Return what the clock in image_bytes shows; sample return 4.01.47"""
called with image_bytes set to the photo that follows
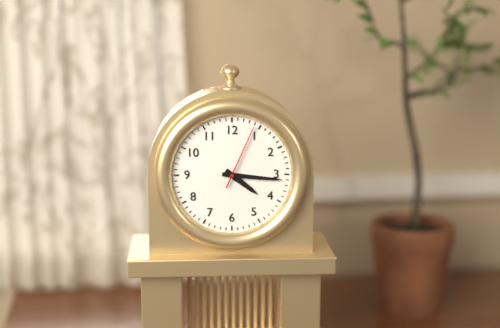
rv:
4.16.04
